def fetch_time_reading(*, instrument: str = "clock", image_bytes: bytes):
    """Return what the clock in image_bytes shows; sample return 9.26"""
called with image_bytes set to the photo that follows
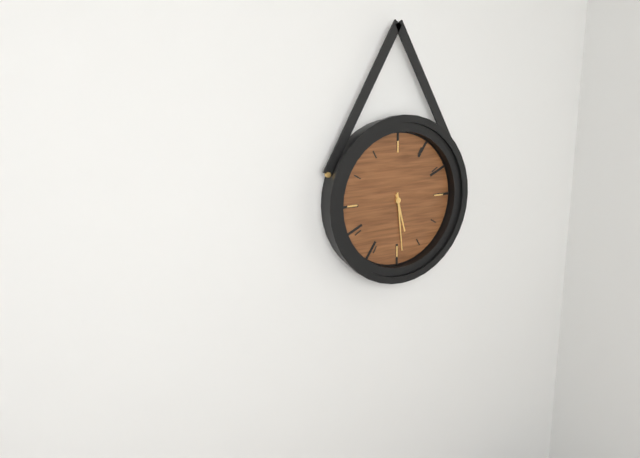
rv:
5.29
